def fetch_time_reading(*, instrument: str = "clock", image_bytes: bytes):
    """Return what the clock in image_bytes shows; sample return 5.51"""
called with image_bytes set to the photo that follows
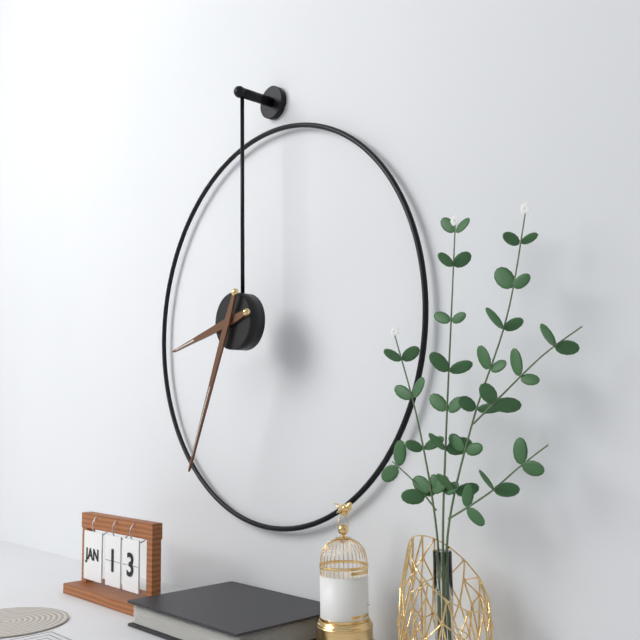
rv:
8.34
